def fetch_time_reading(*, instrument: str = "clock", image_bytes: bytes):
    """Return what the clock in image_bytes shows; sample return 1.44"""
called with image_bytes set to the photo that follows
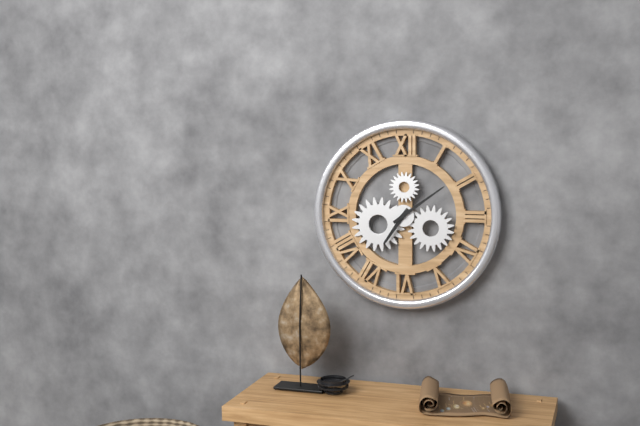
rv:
7.09
